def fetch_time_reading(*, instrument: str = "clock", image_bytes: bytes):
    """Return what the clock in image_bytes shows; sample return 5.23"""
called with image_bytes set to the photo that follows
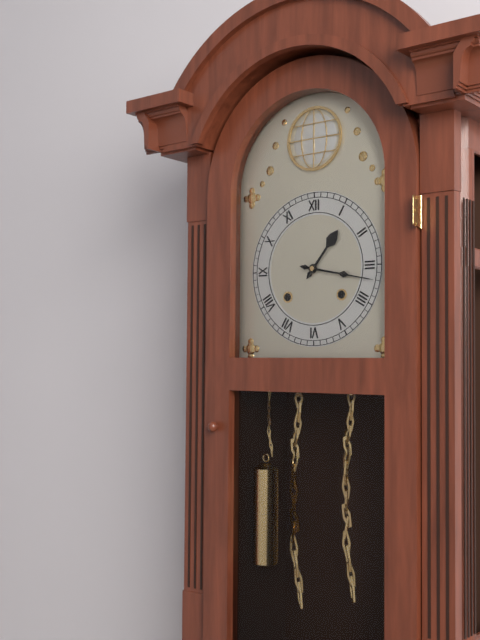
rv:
1.17
